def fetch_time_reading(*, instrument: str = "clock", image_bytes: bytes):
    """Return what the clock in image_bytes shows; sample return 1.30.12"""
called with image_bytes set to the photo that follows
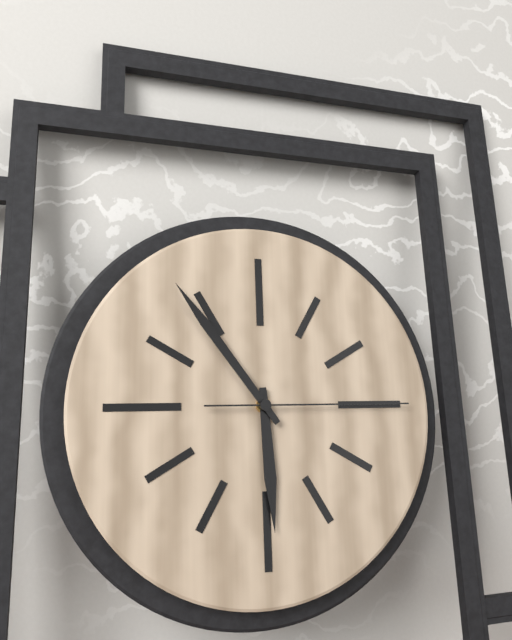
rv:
5.54.15
